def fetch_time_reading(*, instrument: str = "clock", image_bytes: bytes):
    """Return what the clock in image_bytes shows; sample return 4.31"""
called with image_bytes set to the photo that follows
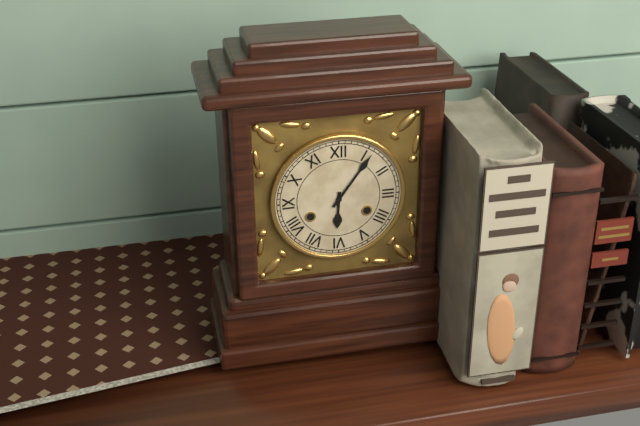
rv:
6.06
